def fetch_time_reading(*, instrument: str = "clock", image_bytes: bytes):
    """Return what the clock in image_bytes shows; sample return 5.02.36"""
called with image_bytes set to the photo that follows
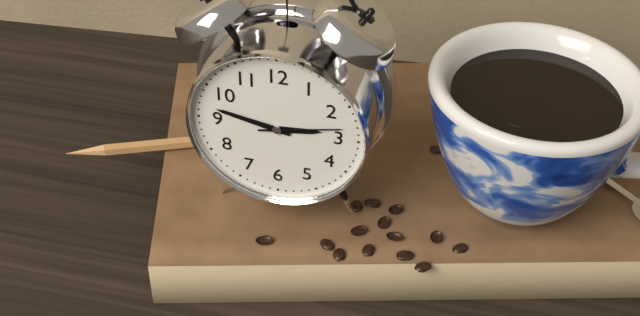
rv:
2.47.13
